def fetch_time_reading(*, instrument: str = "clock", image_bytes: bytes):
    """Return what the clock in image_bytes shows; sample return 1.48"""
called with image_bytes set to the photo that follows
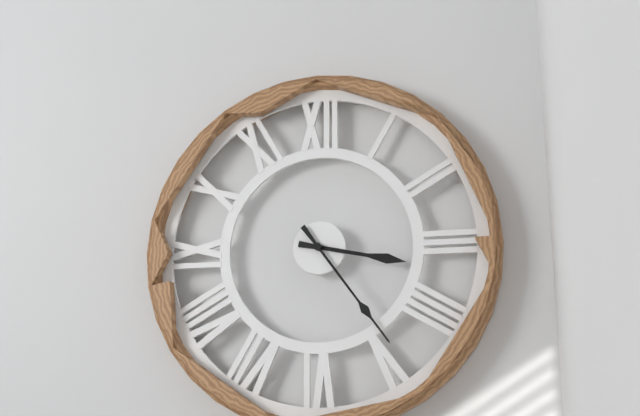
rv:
3.24
